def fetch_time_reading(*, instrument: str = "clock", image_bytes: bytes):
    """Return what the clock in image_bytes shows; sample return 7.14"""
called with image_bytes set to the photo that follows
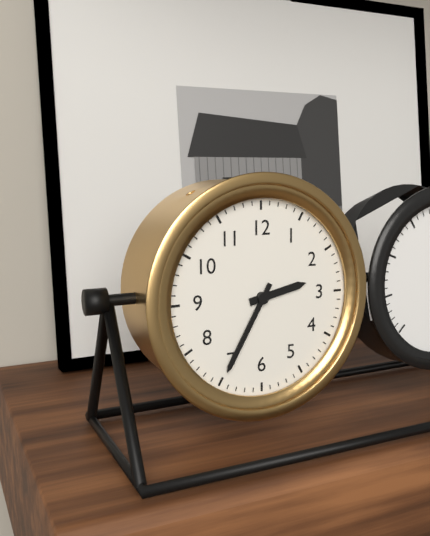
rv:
2.35
